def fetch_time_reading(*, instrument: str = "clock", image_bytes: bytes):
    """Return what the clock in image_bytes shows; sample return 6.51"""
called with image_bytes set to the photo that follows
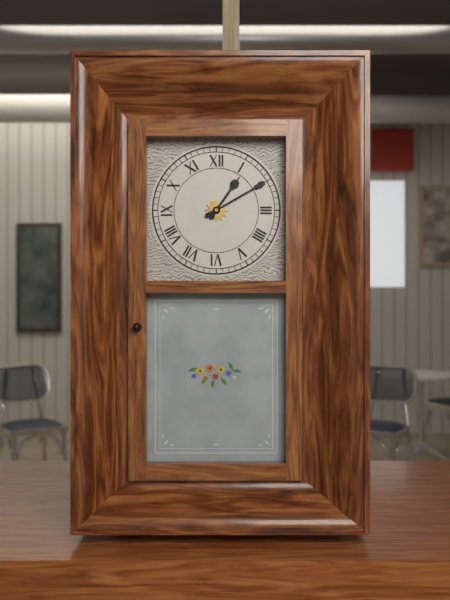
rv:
1.10
